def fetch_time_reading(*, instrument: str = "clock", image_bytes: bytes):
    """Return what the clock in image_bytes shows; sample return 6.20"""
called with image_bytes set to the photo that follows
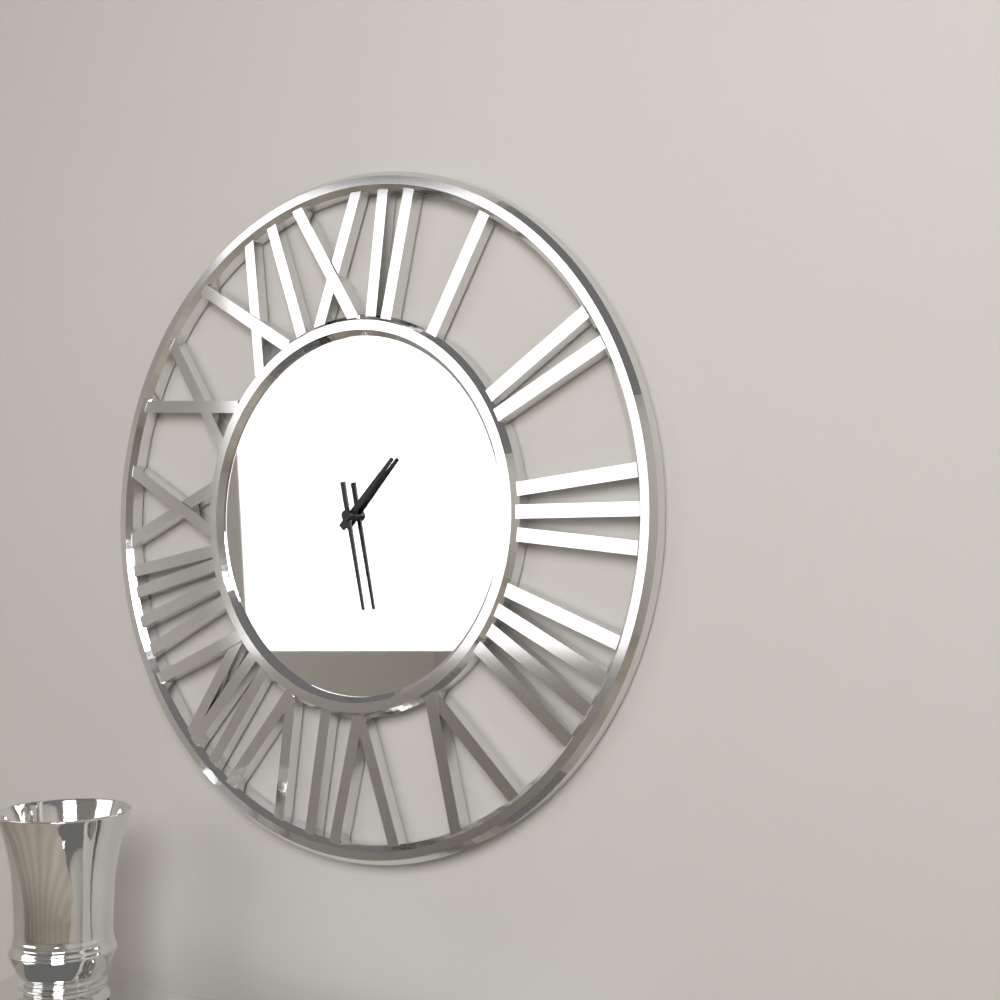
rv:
1.28
